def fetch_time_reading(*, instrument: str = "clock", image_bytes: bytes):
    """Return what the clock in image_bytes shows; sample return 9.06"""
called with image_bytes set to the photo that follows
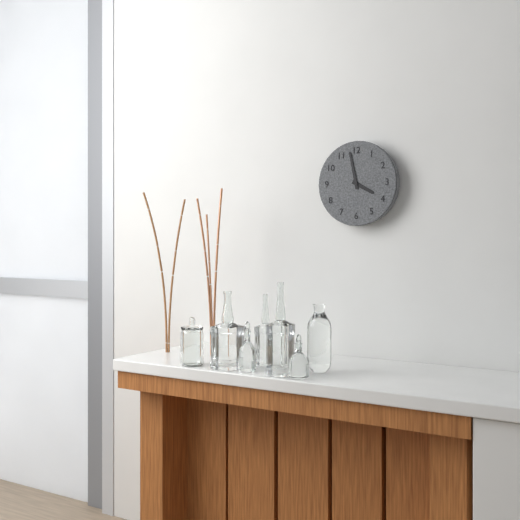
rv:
3.58
